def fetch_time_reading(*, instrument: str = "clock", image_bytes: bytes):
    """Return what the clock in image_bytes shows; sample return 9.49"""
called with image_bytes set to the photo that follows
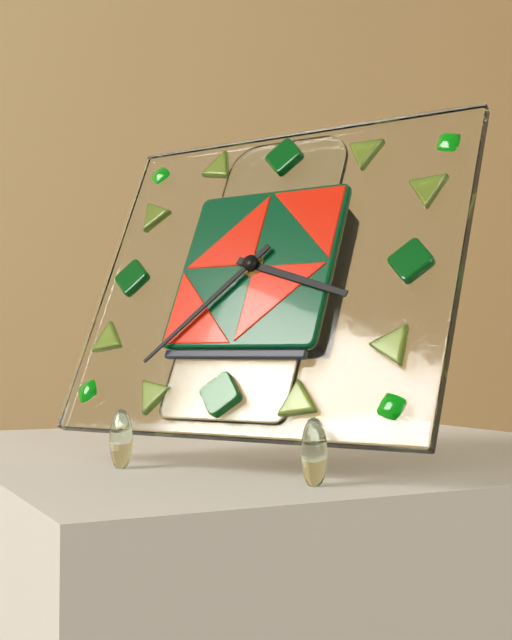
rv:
3.37
